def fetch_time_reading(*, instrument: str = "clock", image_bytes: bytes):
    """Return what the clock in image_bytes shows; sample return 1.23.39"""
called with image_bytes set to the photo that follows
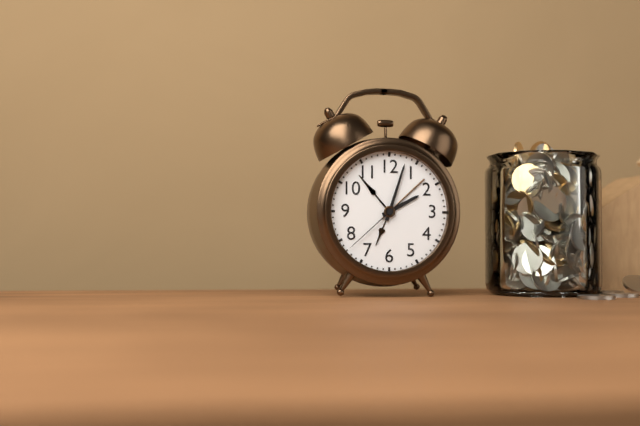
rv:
2.03.38
